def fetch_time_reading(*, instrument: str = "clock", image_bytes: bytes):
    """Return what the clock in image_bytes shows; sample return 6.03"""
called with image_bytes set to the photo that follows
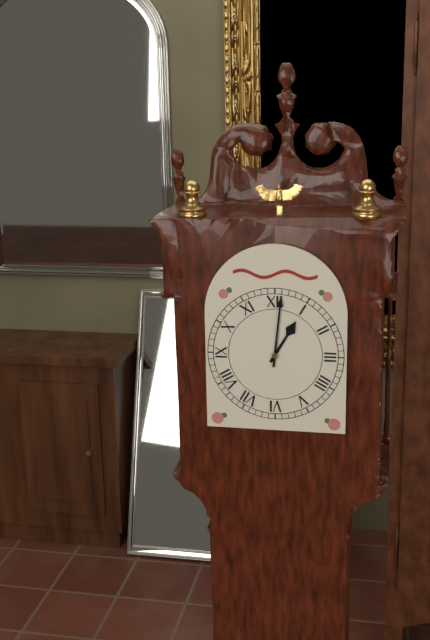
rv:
1.01
